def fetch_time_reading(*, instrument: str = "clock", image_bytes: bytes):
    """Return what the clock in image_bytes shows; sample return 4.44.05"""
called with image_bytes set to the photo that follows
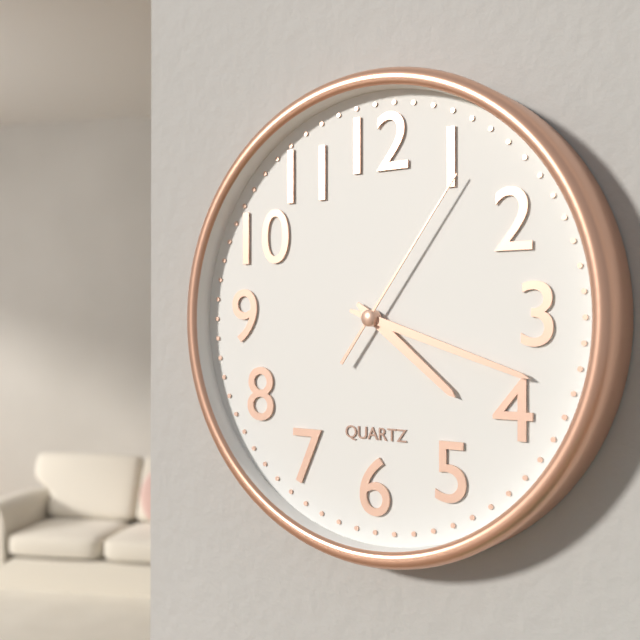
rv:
4.18.06
